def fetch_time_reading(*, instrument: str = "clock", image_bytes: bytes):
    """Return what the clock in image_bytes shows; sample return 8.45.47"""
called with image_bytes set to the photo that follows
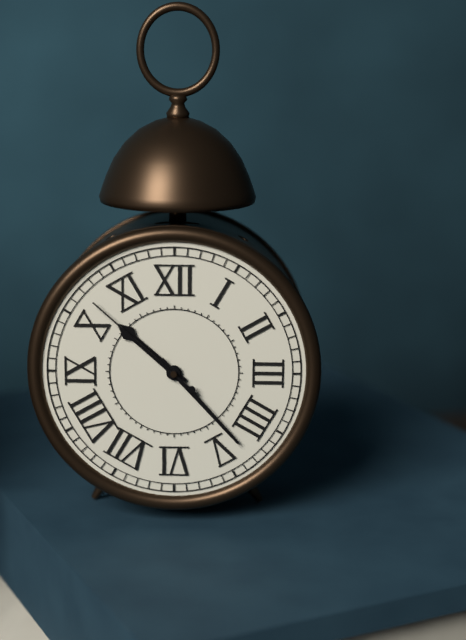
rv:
10.23.52
